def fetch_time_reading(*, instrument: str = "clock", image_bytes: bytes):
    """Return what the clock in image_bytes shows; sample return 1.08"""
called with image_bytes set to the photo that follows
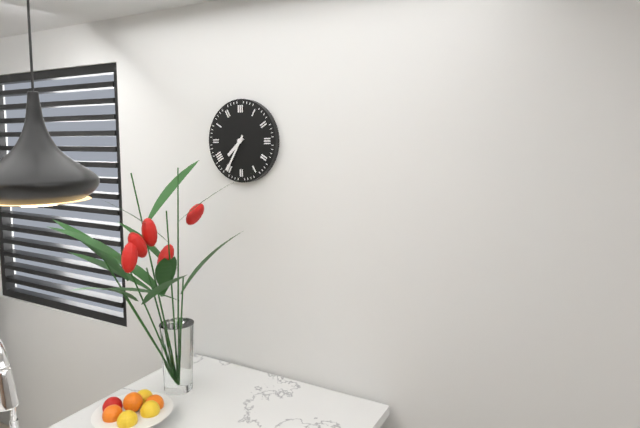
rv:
7.35
